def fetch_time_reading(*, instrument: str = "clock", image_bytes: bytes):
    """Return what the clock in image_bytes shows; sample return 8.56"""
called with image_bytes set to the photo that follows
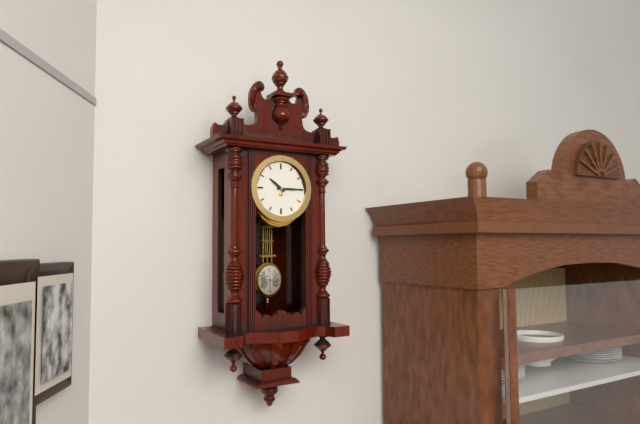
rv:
10.15
